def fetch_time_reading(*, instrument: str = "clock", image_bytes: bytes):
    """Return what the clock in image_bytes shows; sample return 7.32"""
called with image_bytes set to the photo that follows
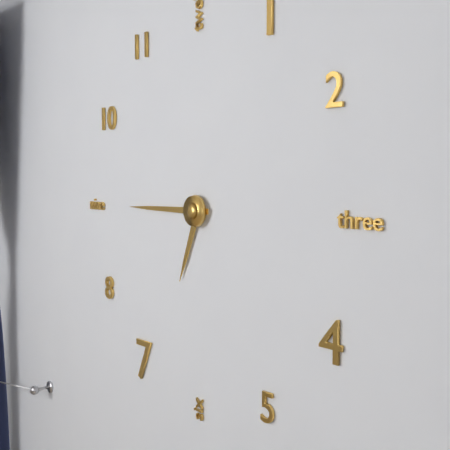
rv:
6.45
